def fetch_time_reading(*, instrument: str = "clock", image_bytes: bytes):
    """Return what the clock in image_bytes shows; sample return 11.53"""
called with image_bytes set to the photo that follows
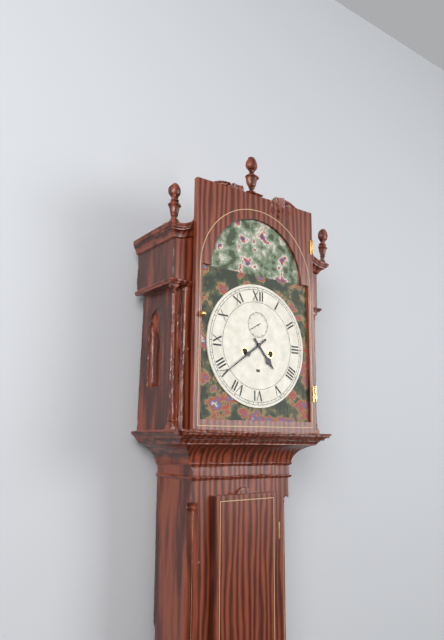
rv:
4.39
